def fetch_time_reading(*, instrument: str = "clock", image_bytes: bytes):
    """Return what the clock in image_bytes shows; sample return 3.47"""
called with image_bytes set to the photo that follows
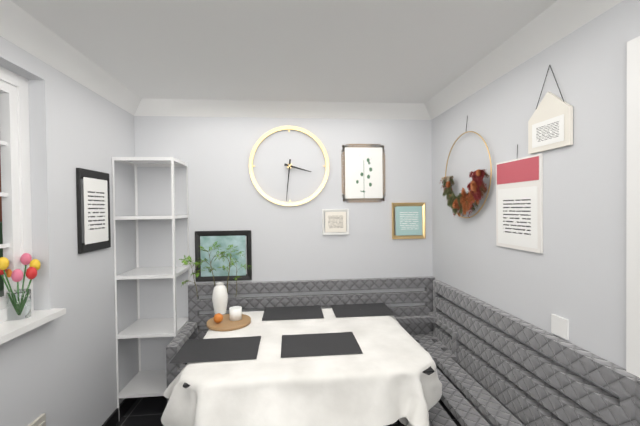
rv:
3.31
